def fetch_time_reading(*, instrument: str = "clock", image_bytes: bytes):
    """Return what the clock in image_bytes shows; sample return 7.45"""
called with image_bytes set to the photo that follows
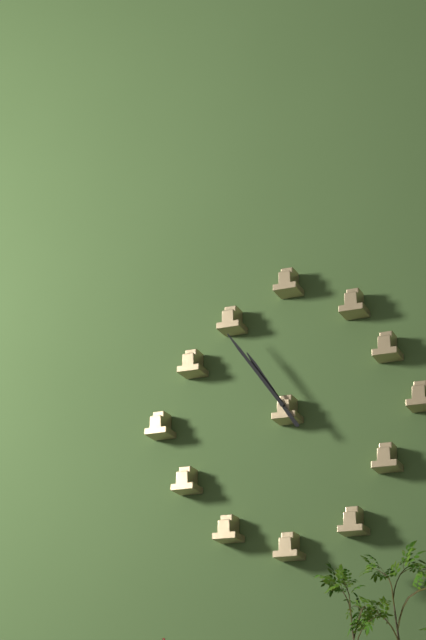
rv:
10.54
